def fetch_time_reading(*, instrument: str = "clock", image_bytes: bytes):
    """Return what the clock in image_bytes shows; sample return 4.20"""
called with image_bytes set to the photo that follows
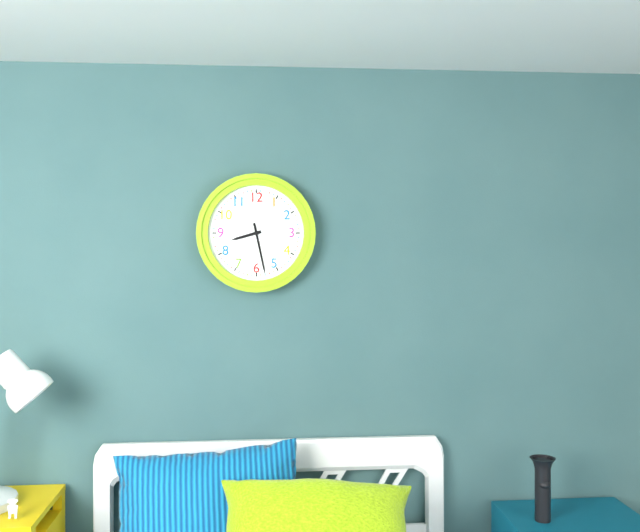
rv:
8.28
